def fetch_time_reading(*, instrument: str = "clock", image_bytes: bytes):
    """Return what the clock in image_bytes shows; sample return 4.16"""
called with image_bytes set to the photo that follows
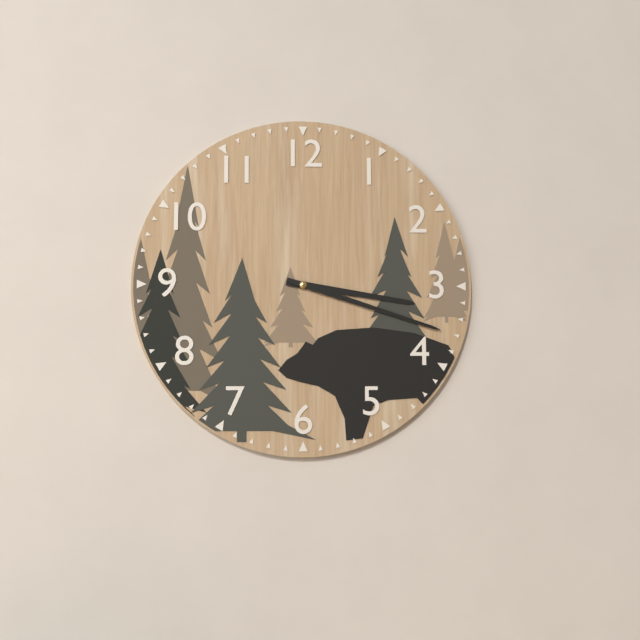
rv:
3.18
